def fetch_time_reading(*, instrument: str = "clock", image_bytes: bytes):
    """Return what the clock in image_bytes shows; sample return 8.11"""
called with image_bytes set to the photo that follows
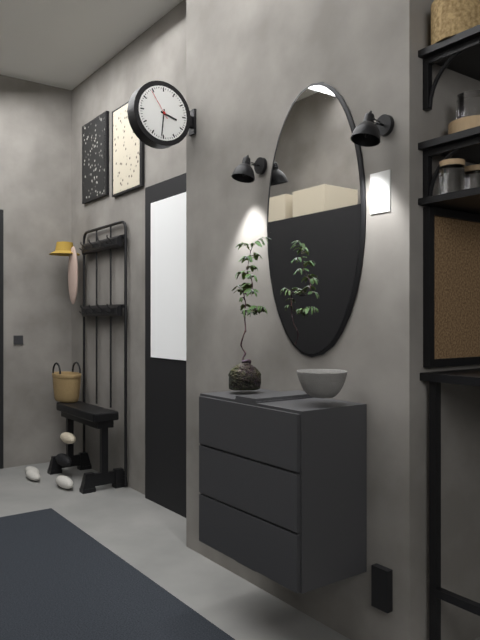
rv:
3.31
